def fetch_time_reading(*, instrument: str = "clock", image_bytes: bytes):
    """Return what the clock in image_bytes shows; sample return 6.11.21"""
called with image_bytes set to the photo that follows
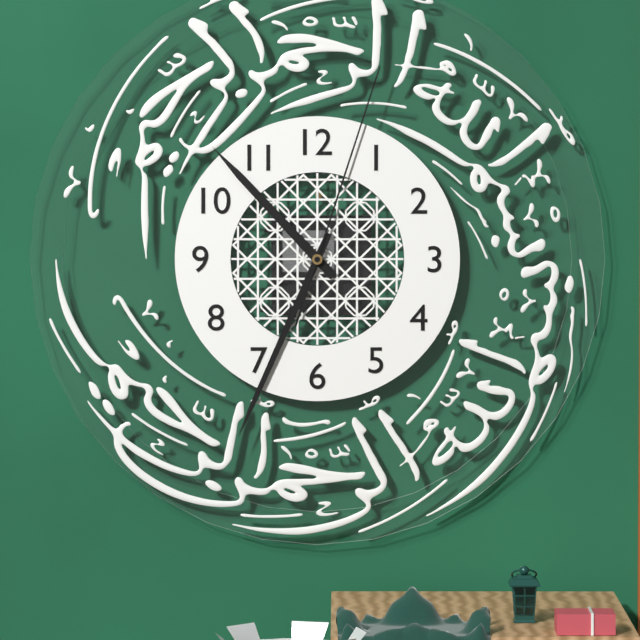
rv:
10.34.03
